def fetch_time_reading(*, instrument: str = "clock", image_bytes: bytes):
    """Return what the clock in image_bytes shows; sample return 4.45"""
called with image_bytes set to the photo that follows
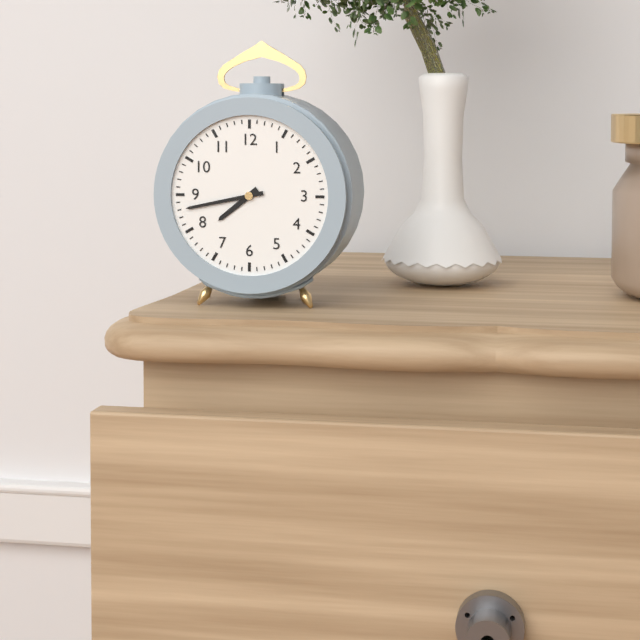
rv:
7.43
